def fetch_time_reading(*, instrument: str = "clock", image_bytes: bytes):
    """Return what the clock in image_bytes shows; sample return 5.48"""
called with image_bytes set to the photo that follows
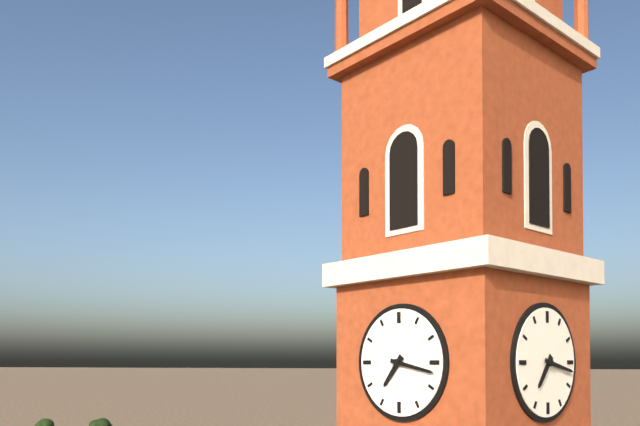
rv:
7.17
